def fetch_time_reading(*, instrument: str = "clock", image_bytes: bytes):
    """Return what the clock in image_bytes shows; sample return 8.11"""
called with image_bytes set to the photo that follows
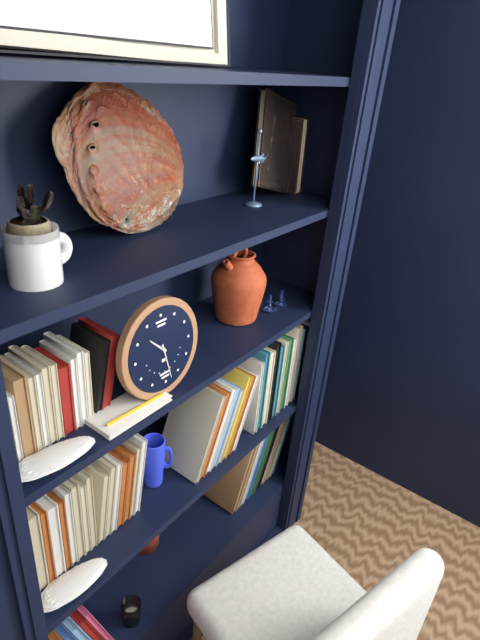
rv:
10.28
